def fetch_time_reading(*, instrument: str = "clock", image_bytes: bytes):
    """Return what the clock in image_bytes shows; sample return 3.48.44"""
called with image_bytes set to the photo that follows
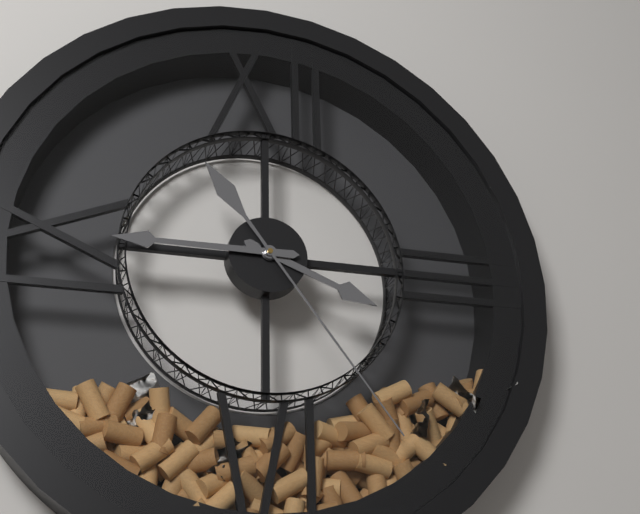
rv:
3.45.24
